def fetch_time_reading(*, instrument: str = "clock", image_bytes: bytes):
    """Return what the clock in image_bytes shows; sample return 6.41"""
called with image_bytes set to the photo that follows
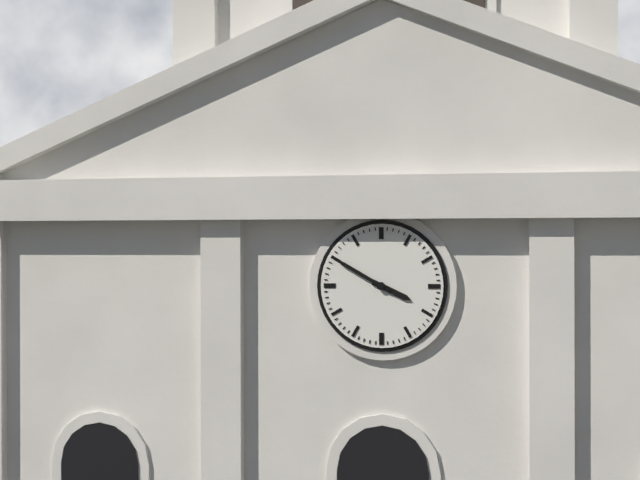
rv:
3.50
